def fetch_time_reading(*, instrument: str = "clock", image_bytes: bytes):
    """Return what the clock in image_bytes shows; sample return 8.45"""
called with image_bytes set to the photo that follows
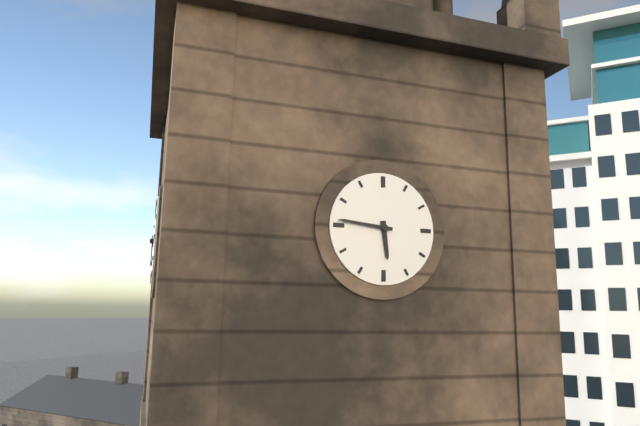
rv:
5.46
